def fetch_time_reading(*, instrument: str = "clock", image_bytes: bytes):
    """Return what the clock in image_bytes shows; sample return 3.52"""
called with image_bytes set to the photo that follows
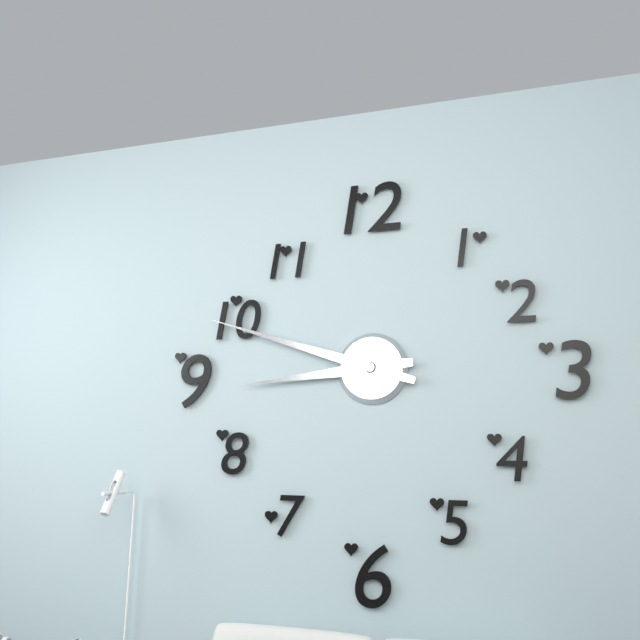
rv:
8.48
